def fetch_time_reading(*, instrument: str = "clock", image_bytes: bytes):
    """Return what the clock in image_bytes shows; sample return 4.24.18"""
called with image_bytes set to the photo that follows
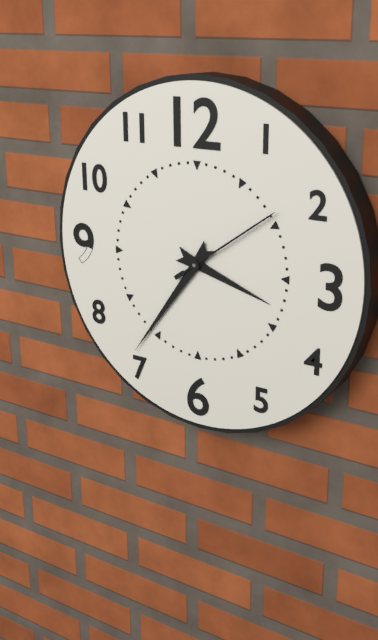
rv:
3.36.09
